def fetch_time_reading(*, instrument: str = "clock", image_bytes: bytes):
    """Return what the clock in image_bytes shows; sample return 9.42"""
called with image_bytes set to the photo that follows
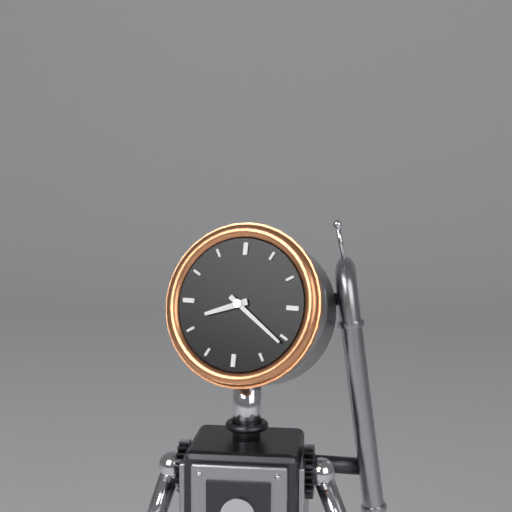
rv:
8.21
